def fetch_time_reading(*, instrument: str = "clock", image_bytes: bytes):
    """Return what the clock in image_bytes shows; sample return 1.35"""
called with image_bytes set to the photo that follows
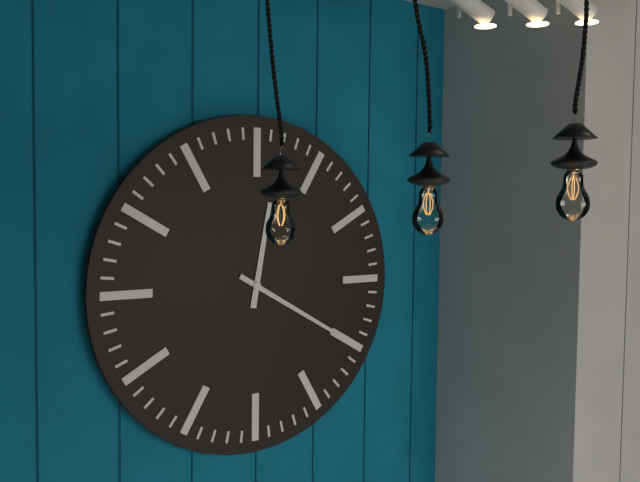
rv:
12.20
